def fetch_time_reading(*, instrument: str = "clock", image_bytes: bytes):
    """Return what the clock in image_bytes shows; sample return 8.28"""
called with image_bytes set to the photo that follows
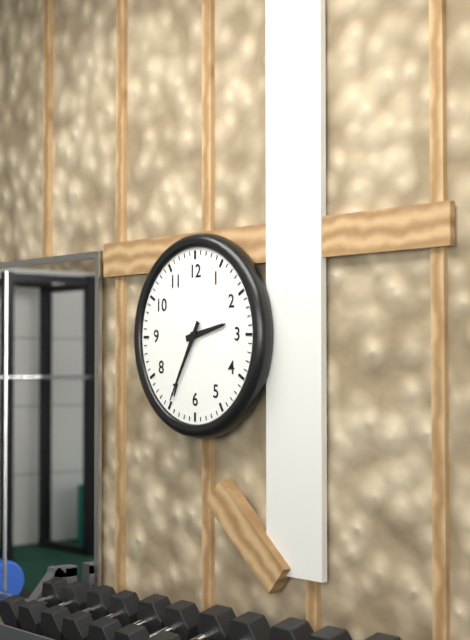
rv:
2.35
